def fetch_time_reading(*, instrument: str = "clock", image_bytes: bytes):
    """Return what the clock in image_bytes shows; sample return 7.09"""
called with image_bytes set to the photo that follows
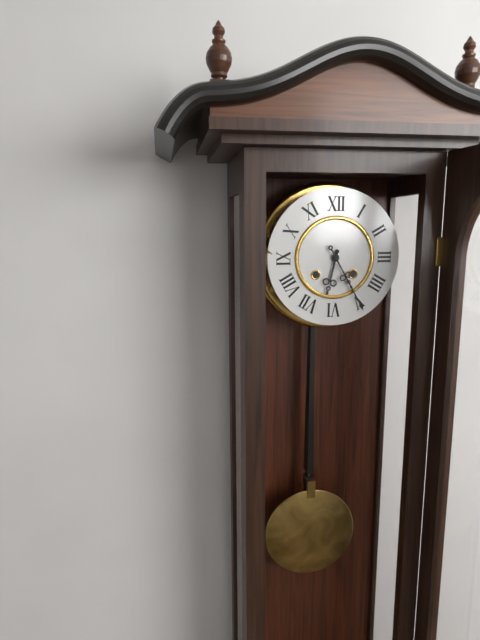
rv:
6.25
